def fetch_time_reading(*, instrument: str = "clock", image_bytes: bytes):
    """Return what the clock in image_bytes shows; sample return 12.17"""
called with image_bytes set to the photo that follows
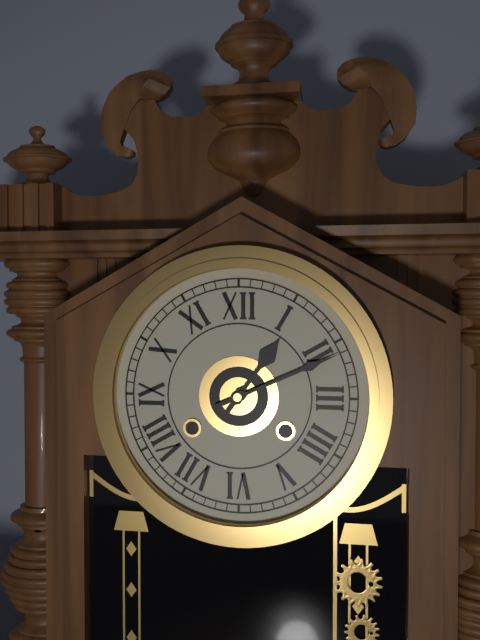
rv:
1.11
